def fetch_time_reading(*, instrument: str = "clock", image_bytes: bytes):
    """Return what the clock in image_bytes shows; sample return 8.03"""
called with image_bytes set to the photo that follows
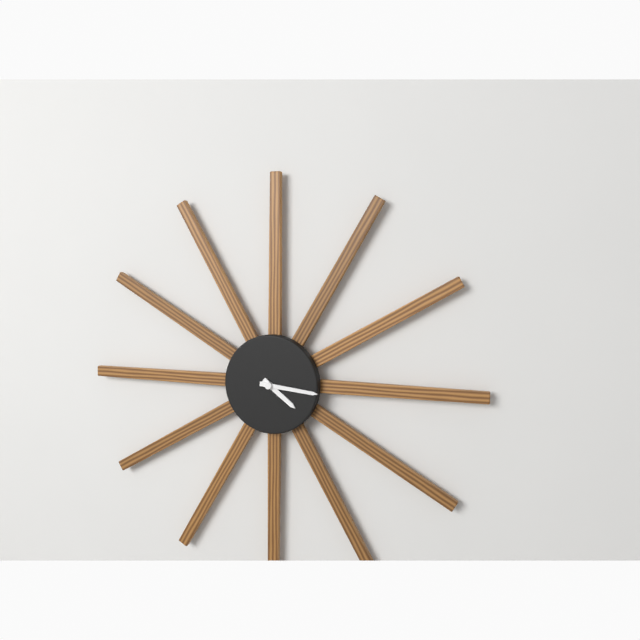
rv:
4.16
